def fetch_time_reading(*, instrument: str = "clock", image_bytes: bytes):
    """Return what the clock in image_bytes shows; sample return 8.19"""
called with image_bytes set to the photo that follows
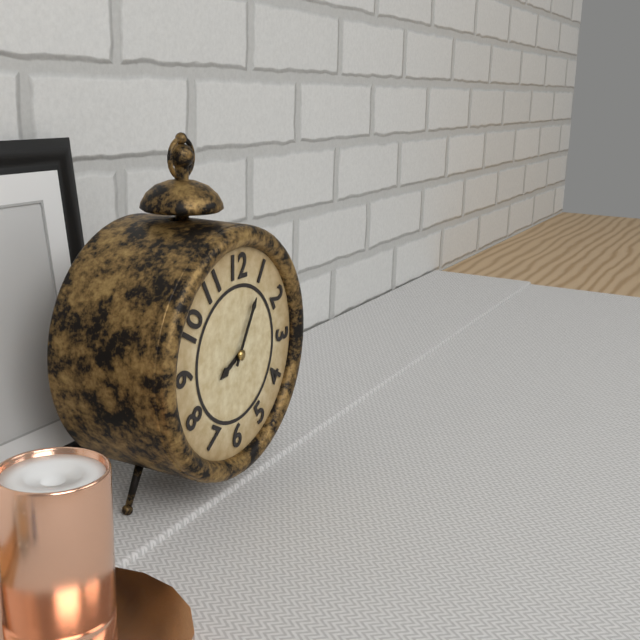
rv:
8.05
